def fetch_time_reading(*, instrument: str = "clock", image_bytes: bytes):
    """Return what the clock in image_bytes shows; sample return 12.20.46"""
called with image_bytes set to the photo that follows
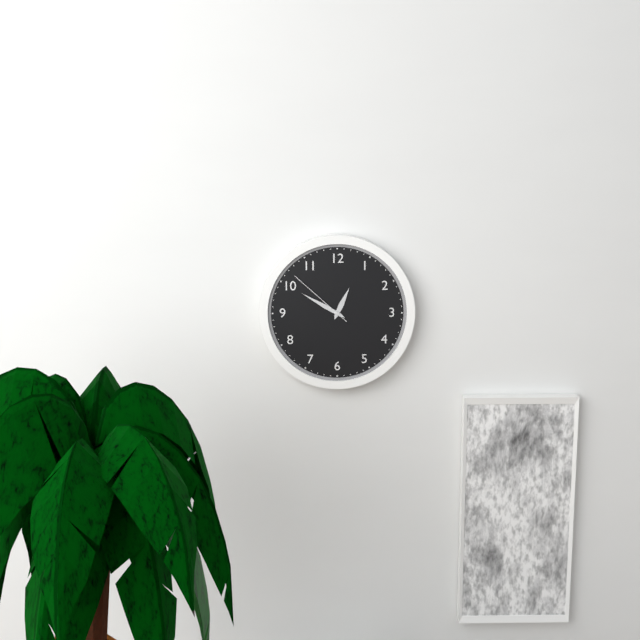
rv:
12.50.52
